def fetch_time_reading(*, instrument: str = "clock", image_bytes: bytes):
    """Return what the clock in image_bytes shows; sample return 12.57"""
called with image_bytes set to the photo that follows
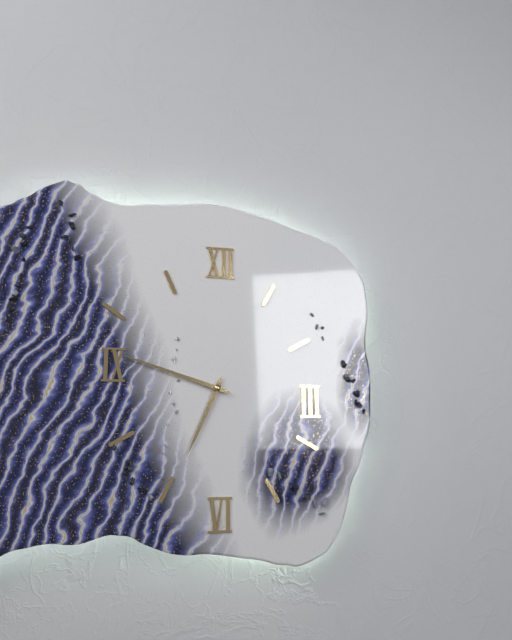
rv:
6.48
